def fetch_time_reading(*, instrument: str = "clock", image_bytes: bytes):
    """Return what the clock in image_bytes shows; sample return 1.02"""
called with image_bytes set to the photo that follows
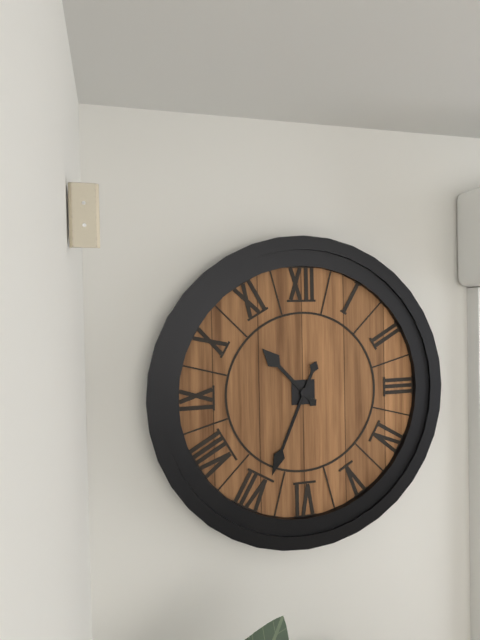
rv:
10.34
